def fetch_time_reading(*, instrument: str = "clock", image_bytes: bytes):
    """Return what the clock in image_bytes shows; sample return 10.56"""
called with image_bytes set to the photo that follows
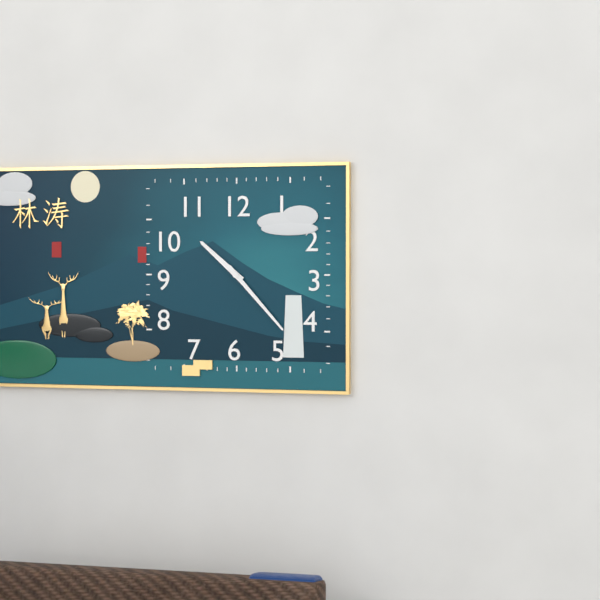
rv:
10.23
